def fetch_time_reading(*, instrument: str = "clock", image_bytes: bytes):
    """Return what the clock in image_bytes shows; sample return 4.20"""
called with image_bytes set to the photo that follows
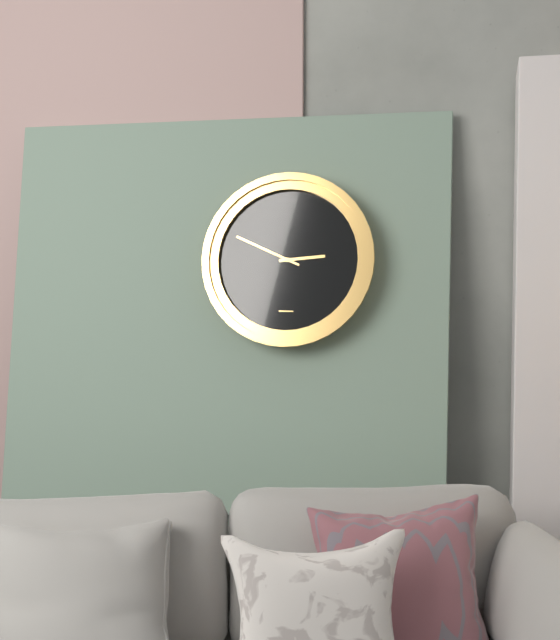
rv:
2.49
